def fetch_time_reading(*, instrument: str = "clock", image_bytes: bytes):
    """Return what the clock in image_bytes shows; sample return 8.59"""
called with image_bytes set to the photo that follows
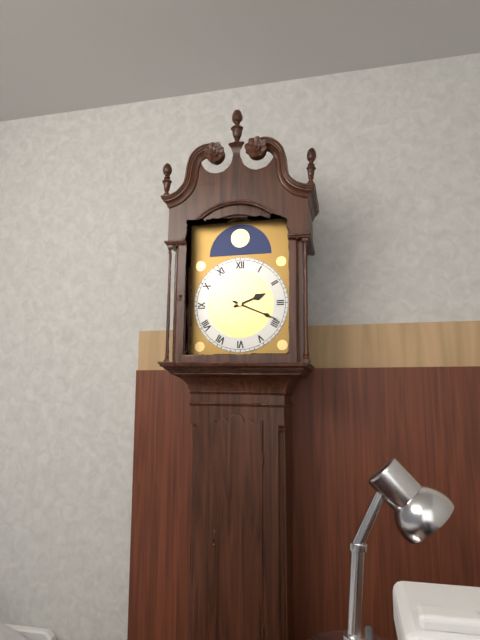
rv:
2.19
